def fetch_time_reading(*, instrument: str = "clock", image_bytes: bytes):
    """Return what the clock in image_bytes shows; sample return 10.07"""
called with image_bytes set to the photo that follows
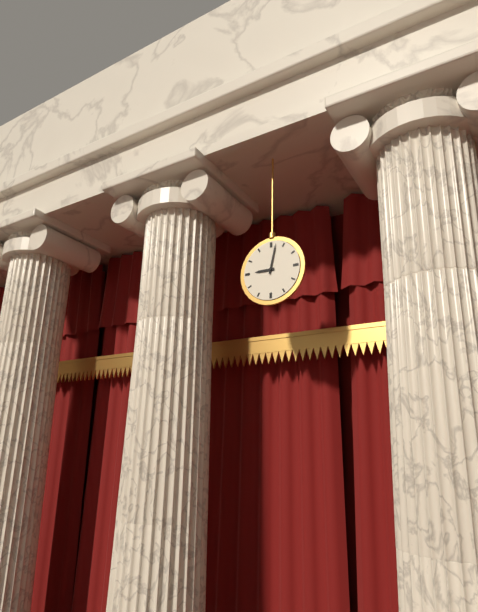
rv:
9.02
